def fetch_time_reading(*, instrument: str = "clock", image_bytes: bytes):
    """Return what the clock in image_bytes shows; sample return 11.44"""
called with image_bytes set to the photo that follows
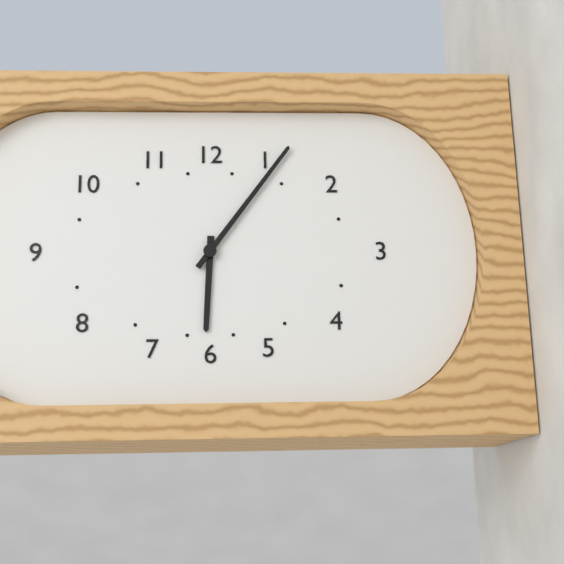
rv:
6.06
